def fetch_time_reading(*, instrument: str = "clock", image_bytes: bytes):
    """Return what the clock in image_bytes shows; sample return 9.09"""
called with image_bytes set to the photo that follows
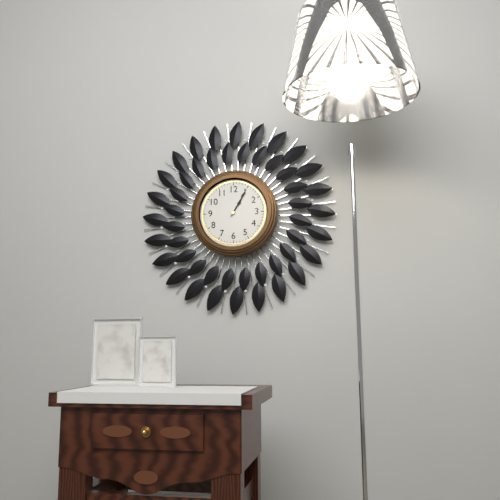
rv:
1.05
